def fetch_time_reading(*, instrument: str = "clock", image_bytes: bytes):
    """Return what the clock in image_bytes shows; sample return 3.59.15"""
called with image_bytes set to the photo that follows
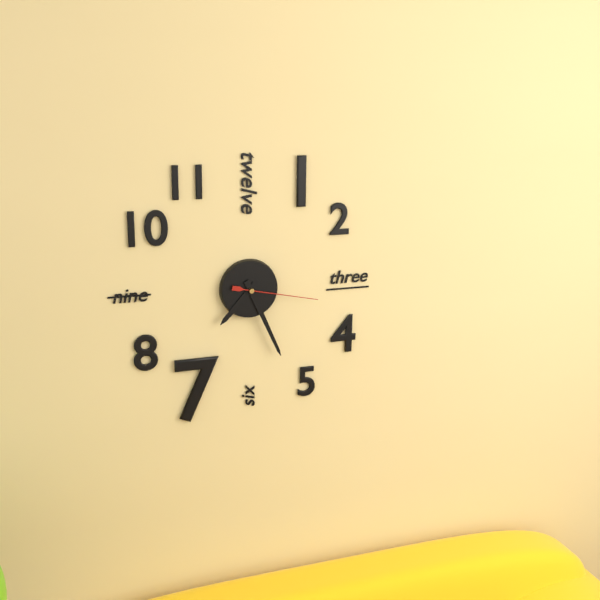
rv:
7.26.17
